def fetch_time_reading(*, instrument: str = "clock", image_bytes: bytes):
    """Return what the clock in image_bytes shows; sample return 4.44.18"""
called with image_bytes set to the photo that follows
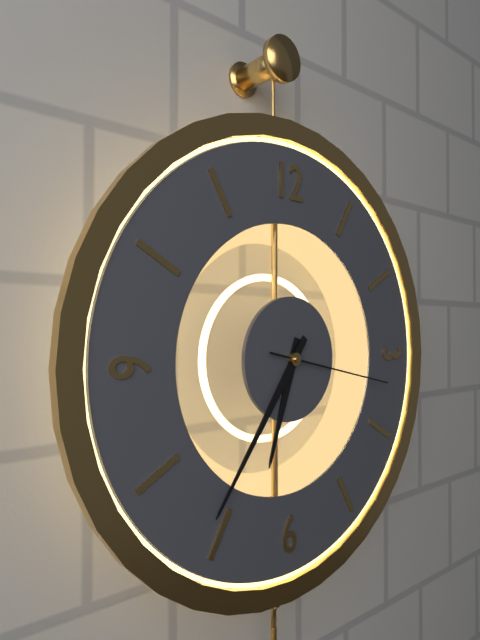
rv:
6.36.17
